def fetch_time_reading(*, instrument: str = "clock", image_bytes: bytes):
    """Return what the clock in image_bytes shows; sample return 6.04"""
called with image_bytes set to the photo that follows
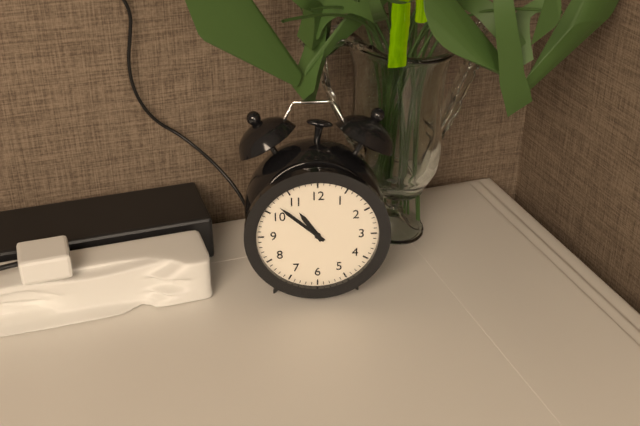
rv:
10.52
